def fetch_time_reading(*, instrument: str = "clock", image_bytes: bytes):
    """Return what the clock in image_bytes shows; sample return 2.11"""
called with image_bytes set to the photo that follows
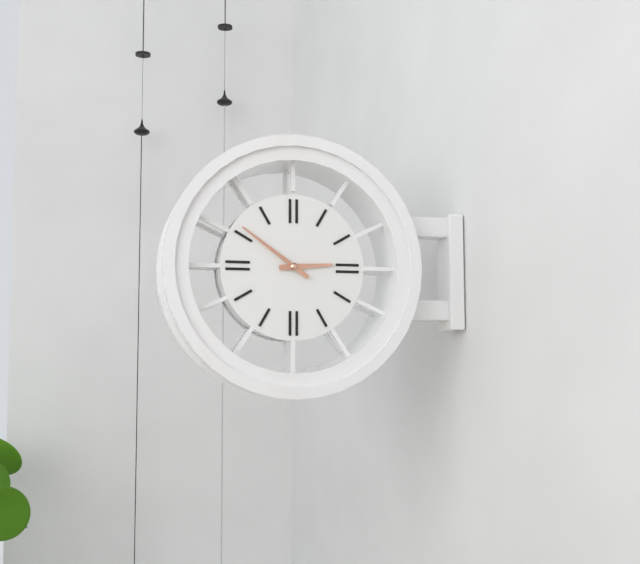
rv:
2.51
